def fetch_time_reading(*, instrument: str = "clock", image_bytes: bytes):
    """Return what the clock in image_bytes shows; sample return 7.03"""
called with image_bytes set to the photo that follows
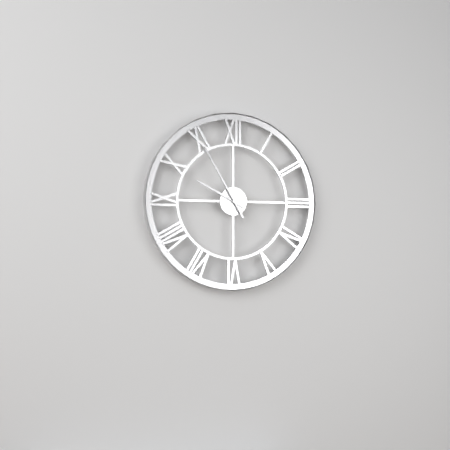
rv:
9.55
